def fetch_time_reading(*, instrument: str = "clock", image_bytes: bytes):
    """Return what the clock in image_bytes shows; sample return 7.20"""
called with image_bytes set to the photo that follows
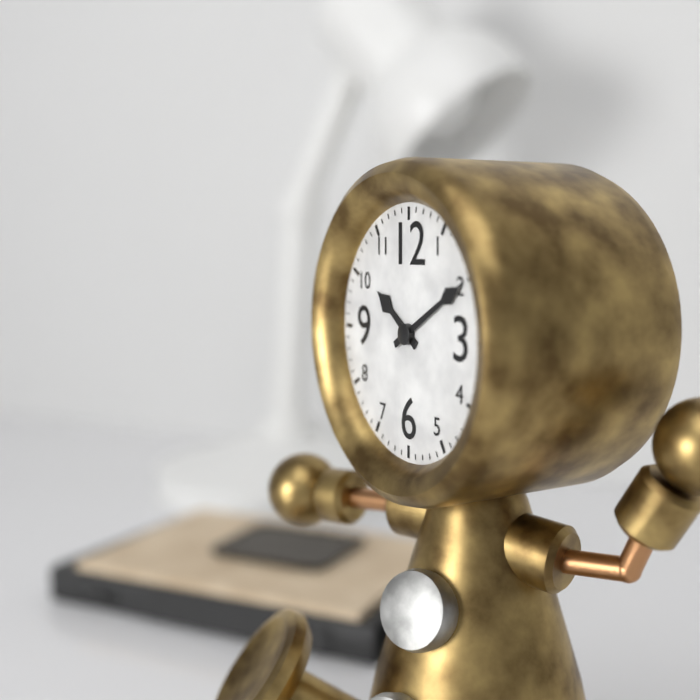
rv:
10.10
